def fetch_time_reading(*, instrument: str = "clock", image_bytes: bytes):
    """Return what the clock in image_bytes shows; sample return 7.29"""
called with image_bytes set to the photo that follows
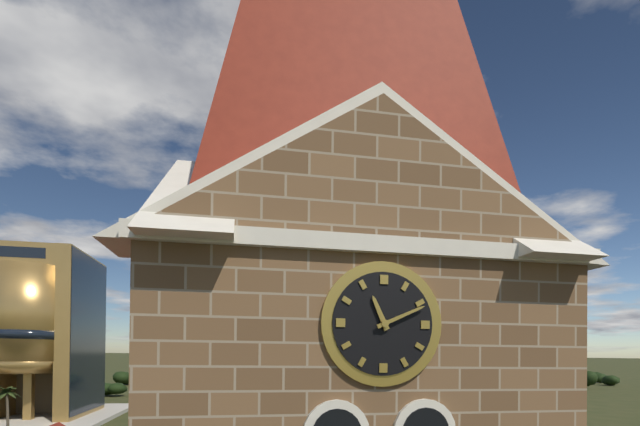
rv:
11.11
